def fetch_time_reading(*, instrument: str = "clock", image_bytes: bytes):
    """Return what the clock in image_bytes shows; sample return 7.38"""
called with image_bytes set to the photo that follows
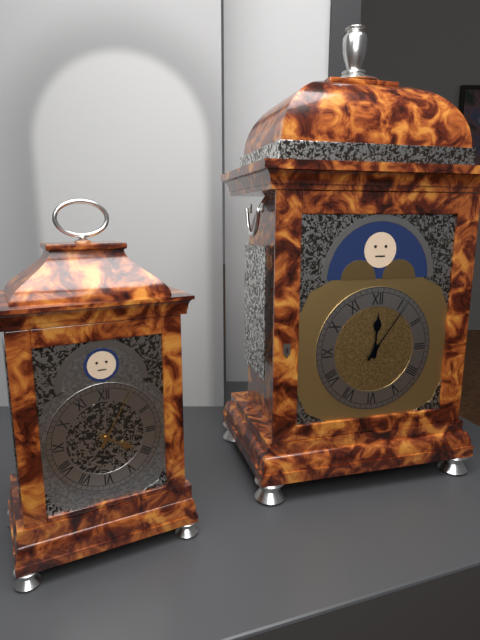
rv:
12.06
